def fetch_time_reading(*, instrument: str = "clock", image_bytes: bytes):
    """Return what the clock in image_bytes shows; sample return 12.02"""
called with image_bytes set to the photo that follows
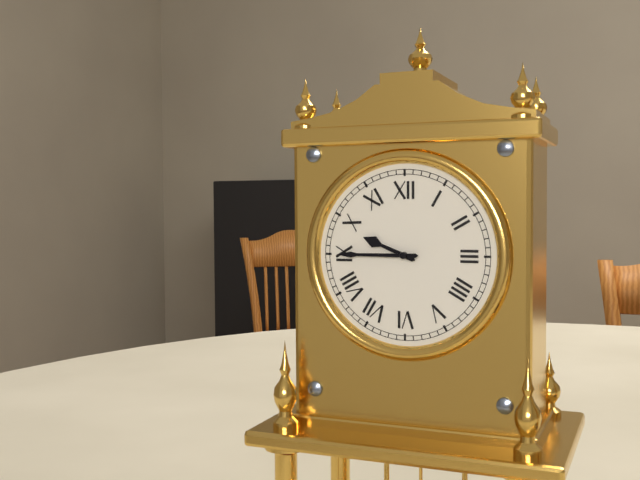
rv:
9.45
